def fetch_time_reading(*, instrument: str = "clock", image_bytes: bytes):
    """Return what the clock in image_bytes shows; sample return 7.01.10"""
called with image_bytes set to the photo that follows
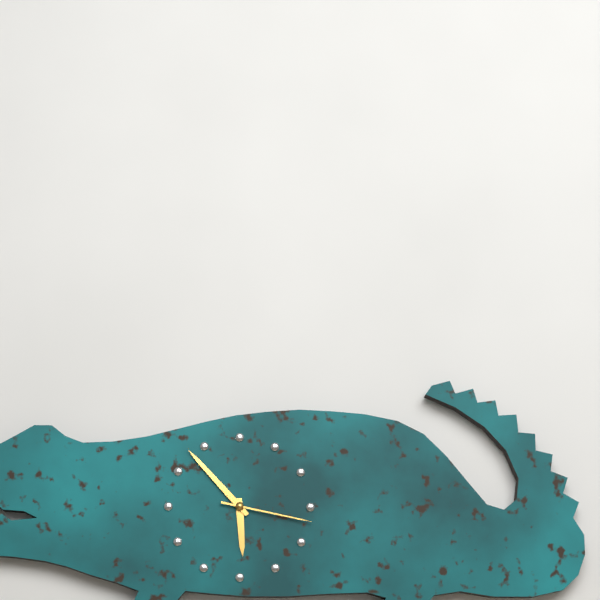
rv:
5.53.17
